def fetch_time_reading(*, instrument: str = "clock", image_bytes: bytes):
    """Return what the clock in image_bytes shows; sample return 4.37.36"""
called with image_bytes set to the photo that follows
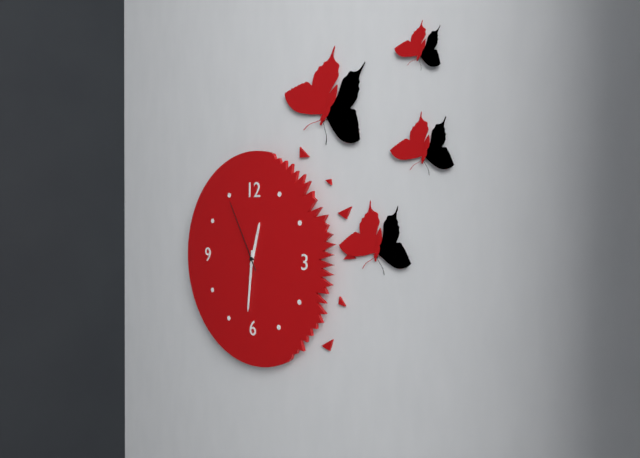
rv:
12.31.55
